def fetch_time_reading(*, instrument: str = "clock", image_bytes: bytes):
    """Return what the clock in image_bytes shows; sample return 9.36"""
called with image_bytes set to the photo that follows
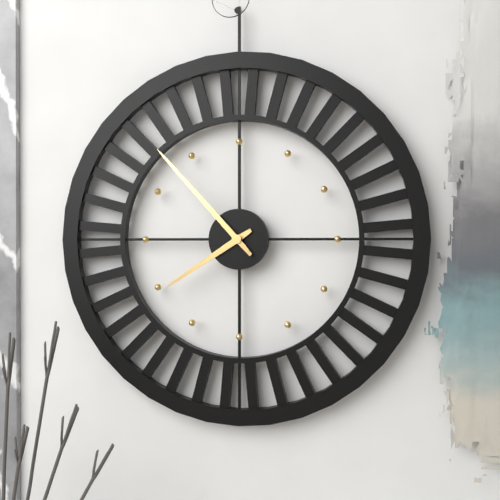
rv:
7.53
